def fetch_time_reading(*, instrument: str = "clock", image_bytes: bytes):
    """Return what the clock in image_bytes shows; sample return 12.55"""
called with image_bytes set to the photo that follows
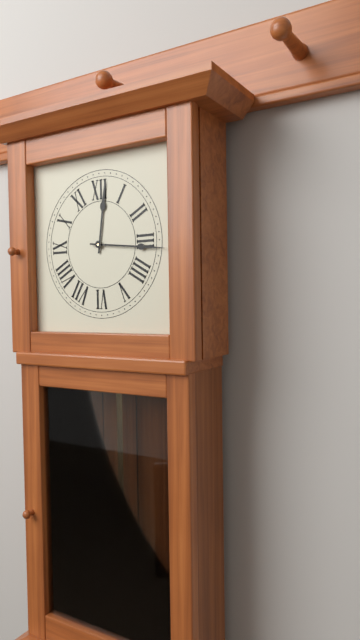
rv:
12.16
